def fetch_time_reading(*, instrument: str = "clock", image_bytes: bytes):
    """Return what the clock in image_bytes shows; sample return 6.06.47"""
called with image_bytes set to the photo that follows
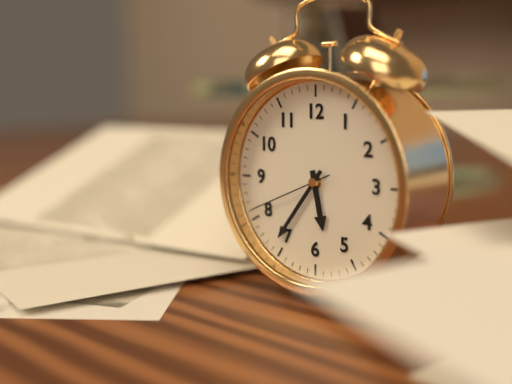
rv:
5.36.41
